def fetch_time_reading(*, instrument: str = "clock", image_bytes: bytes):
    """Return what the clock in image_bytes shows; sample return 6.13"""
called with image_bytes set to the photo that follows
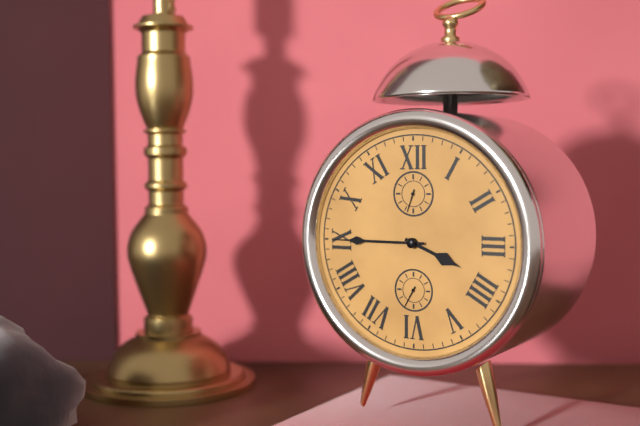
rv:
3.45
